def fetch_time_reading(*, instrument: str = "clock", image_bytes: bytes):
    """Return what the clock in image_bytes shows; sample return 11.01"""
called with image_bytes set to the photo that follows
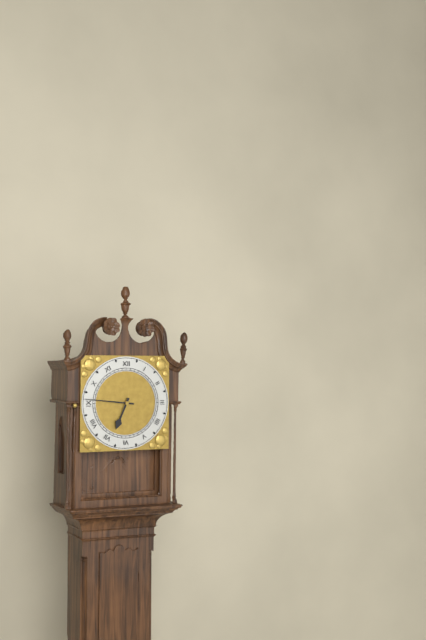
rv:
6.46
